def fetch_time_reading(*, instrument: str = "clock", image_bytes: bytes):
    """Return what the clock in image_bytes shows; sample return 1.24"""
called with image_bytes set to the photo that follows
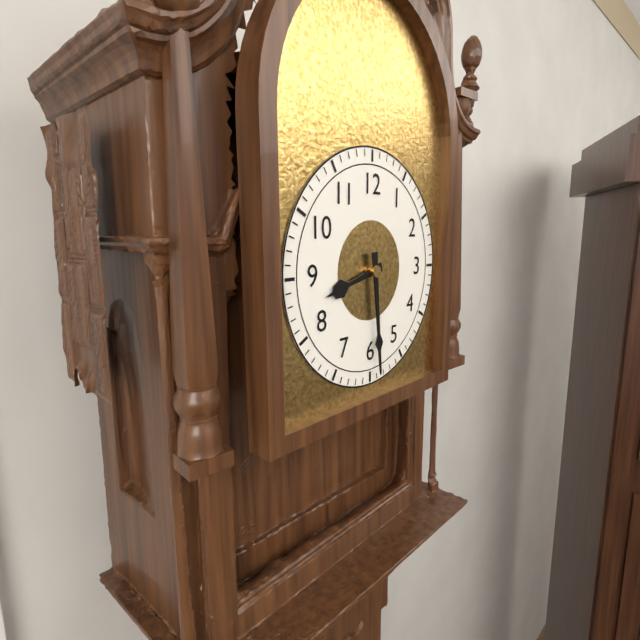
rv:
8.29
